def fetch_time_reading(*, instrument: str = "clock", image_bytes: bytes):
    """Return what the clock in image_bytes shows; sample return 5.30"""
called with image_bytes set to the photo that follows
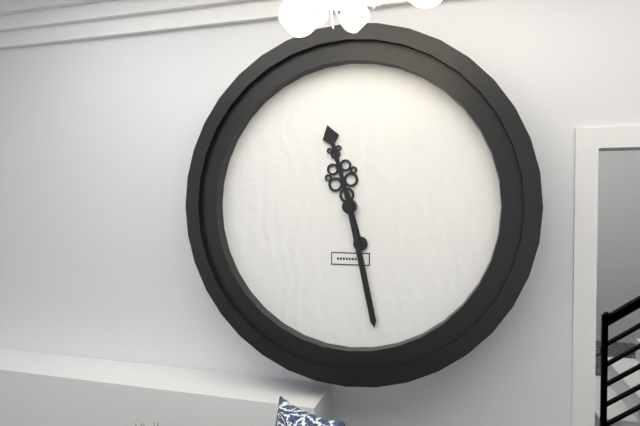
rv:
11.28
